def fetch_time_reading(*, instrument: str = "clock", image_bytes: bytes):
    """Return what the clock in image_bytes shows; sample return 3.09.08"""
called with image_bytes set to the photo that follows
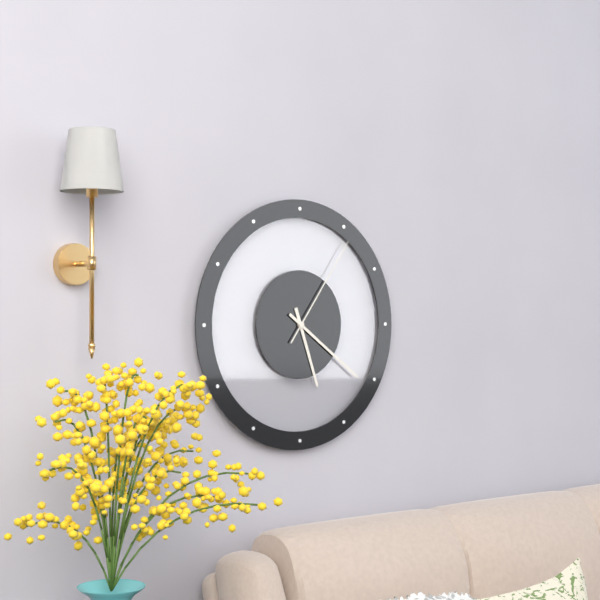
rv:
5.21.06
